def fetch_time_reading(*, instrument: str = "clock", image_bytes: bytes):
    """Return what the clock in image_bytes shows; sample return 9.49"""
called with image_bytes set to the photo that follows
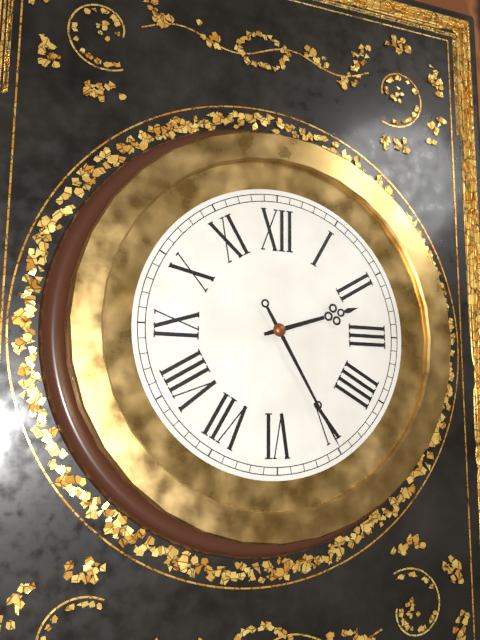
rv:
2.25
